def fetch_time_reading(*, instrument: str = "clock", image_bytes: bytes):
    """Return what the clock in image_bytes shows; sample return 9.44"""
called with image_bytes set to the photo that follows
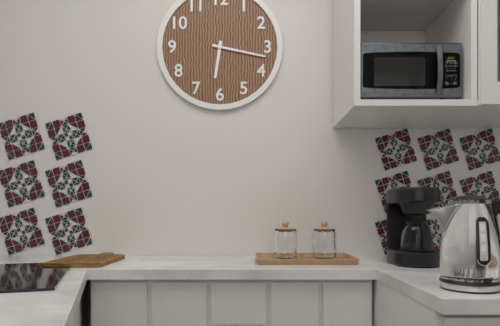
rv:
6.17
